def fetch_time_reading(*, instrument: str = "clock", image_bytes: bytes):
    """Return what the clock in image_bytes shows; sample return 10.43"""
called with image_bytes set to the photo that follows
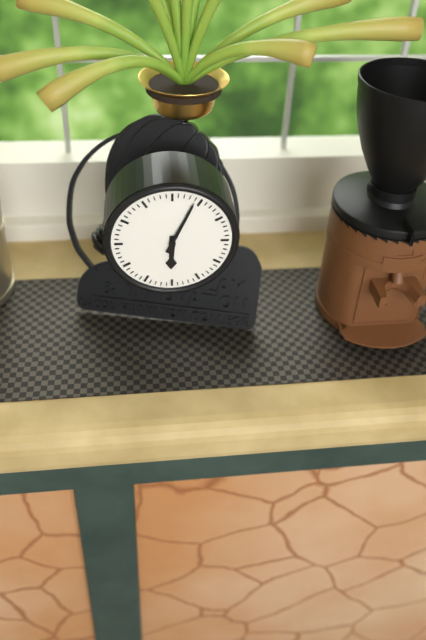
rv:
6.04
